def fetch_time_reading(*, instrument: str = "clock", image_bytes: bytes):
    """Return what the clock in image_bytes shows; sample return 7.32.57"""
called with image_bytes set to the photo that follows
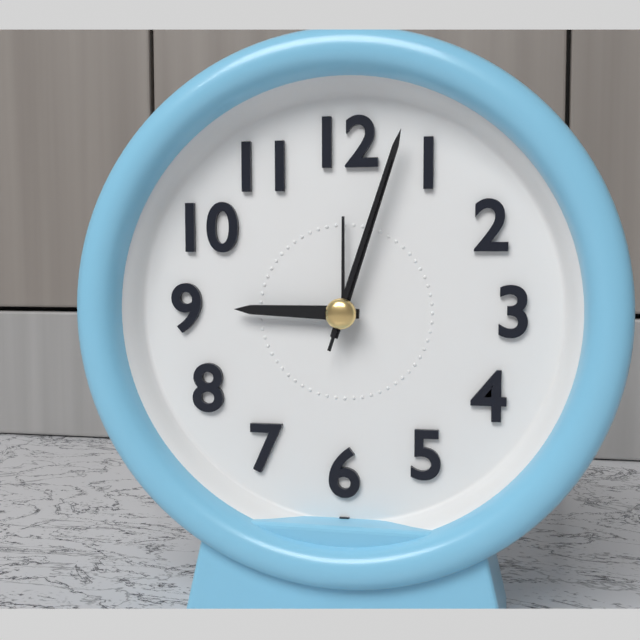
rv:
9.03.03
